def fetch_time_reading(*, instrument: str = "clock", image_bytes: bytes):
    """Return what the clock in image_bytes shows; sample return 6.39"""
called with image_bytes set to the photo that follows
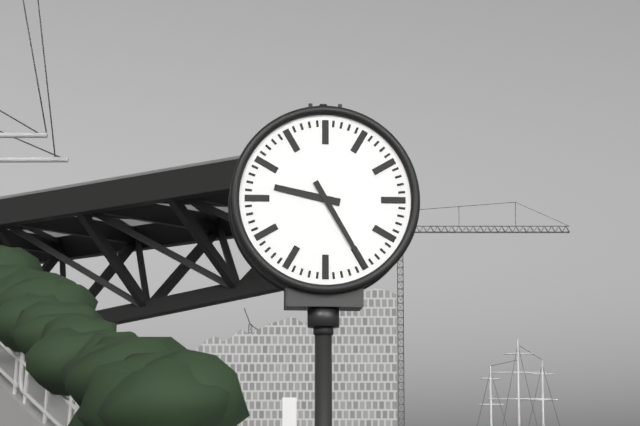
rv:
9.25
